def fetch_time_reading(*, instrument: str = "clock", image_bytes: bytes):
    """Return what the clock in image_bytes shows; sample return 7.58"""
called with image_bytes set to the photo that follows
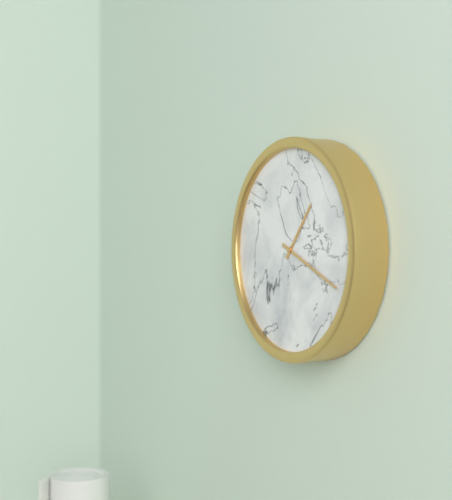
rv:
1.19
